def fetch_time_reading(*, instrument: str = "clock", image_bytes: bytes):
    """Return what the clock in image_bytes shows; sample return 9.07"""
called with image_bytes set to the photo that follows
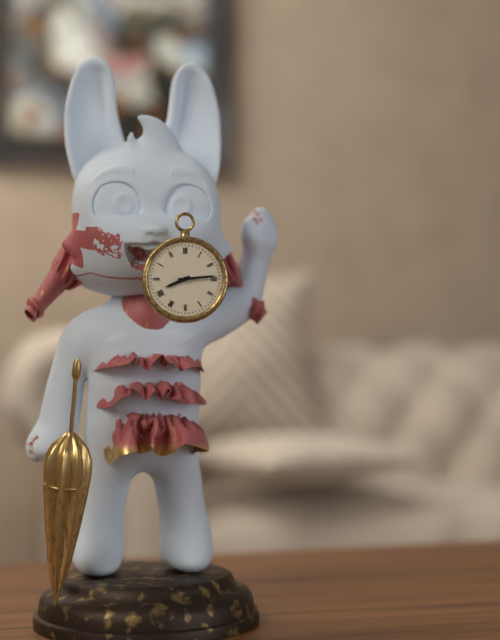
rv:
8.14
